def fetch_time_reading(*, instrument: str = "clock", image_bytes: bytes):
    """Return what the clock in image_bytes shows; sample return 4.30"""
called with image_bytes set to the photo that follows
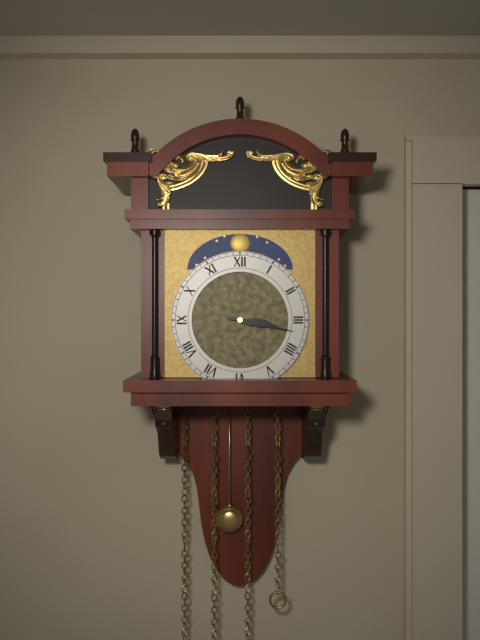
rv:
3.17
